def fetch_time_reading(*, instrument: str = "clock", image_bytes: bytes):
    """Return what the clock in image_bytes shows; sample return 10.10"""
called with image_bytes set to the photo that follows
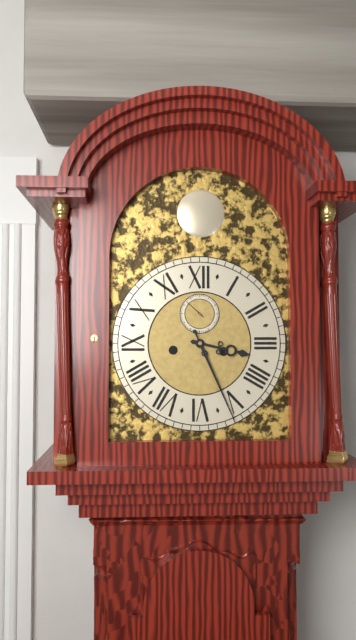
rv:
3.26
